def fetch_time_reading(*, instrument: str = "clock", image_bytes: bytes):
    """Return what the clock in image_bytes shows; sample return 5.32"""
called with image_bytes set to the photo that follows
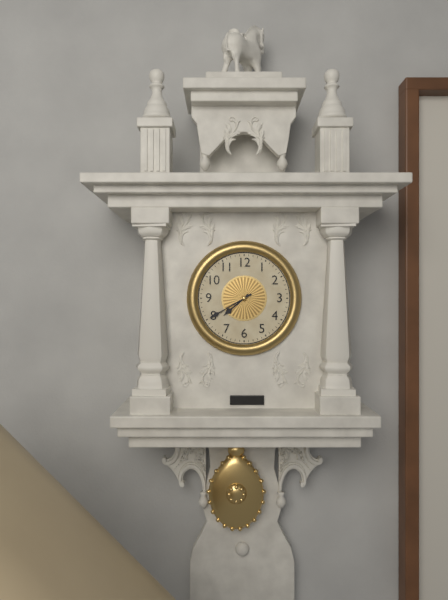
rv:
7.40
